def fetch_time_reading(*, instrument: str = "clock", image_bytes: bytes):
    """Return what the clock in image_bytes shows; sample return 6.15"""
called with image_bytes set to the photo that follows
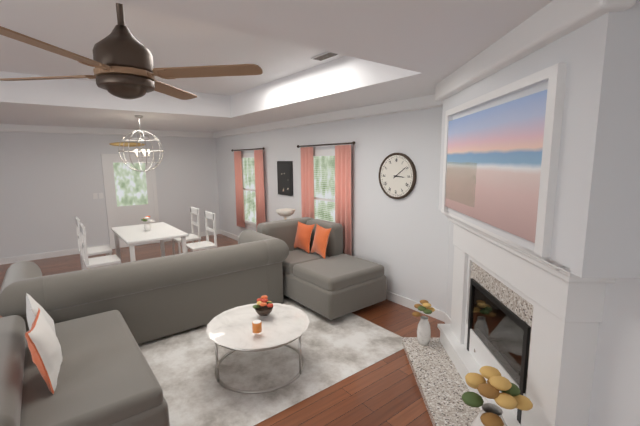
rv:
3.09
